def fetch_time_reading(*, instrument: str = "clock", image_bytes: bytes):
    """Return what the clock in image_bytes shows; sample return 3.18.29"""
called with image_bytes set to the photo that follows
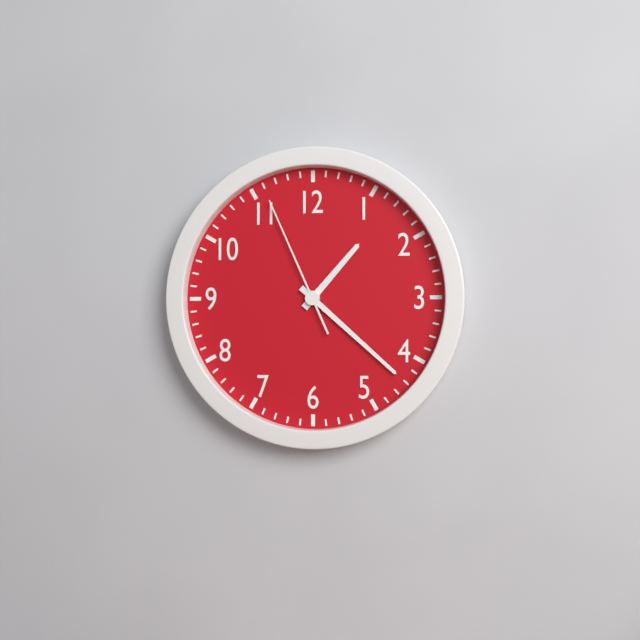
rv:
1.22.56
